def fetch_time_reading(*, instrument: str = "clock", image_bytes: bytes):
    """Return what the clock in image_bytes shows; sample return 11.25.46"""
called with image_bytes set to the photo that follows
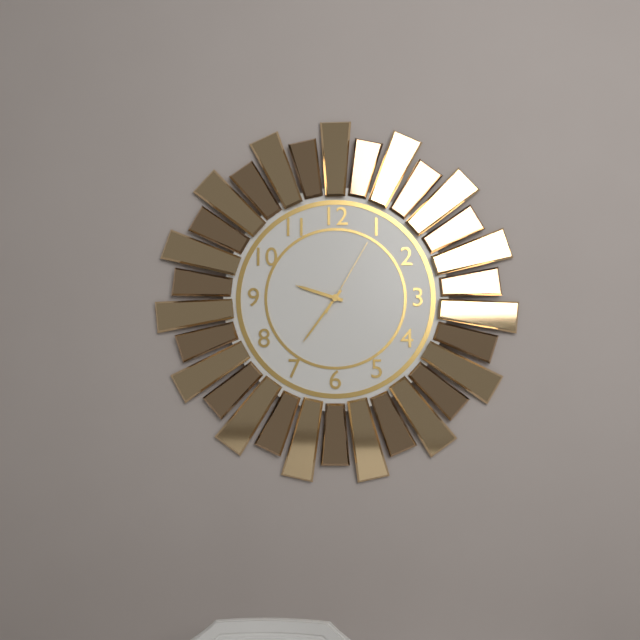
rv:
9.36.05
